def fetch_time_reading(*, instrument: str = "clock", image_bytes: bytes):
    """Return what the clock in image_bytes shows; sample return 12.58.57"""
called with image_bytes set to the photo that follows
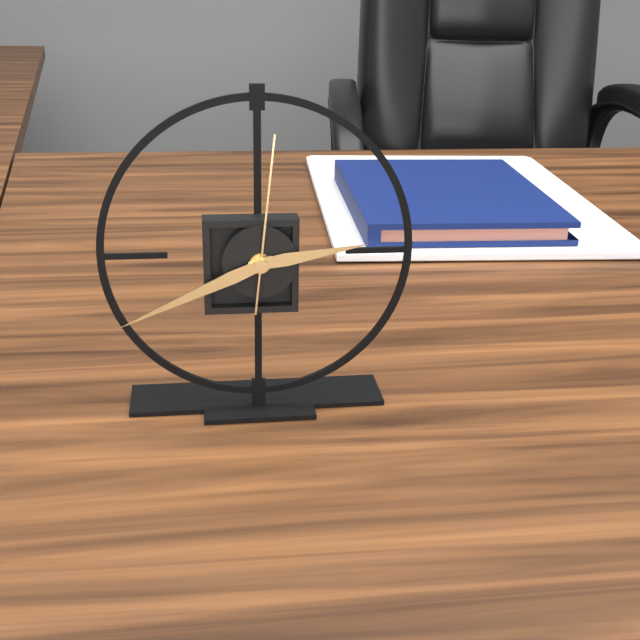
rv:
2.41.01
